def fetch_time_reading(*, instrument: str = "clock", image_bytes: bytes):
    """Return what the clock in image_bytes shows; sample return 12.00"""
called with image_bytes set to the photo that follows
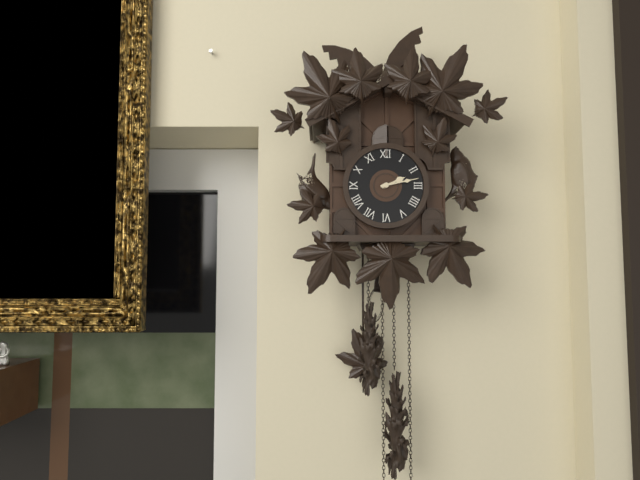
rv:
2.13
